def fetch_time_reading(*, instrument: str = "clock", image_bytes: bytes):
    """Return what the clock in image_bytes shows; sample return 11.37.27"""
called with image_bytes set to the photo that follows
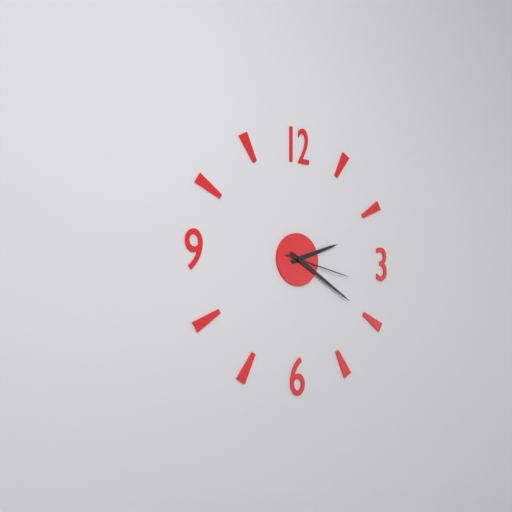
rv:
2.20.17
